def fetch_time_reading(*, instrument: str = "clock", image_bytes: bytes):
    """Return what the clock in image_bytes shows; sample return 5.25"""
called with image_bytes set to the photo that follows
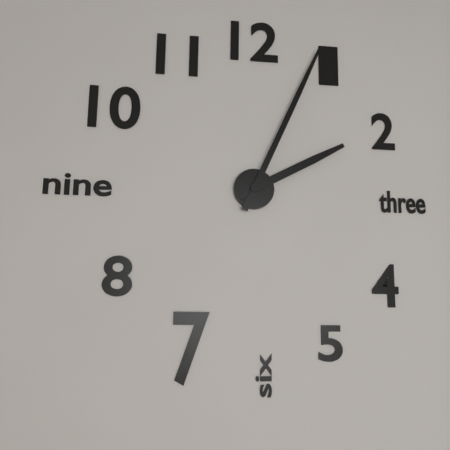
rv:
2.04
